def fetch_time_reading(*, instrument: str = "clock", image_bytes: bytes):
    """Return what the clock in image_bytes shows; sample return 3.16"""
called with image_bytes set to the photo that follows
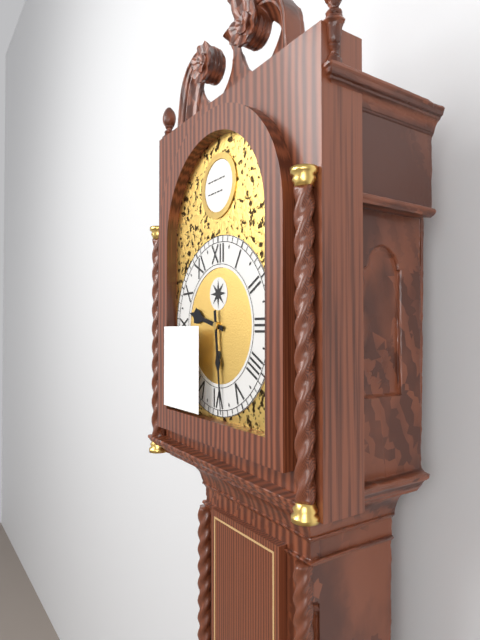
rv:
9.29
